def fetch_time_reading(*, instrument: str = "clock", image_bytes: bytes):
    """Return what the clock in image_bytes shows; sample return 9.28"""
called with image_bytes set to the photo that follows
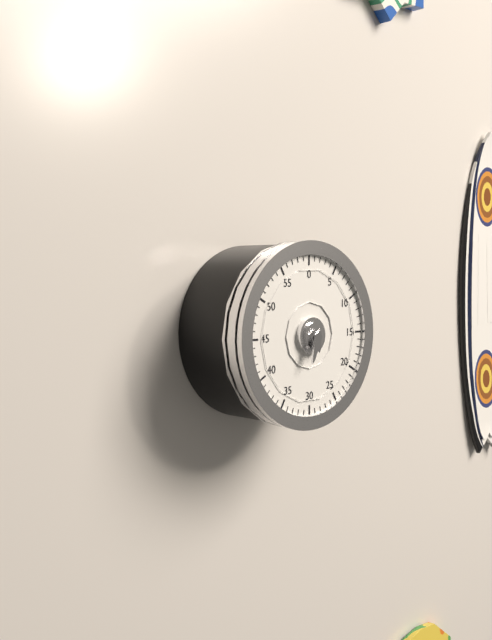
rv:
5.33
